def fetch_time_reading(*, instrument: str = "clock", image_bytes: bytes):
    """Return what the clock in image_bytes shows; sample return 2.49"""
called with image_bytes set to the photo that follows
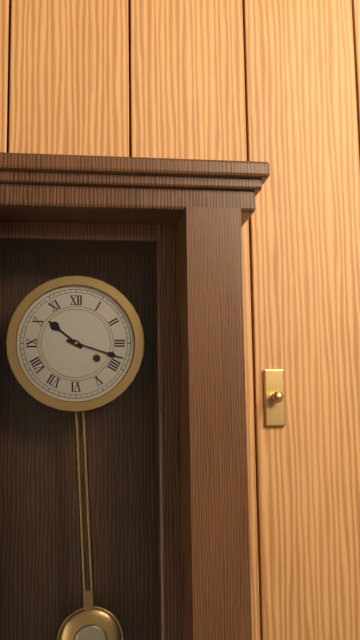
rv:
10.18
